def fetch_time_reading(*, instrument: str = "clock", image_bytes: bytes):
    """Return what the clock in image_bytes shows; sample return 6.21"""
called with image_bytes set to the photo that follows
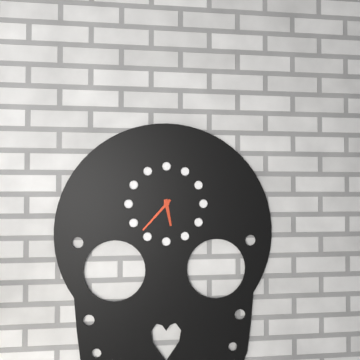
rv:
5.37
